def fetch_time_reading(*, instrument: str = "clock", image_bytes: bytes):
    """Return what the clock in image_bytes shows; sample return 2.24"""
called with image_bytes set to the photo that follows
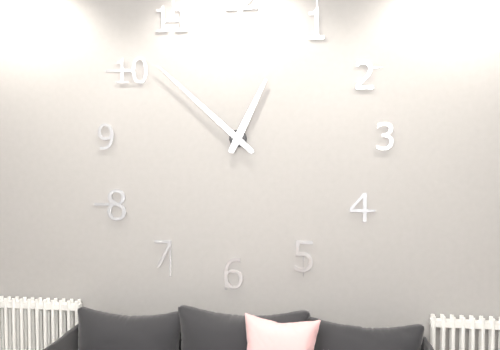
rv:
12.52
